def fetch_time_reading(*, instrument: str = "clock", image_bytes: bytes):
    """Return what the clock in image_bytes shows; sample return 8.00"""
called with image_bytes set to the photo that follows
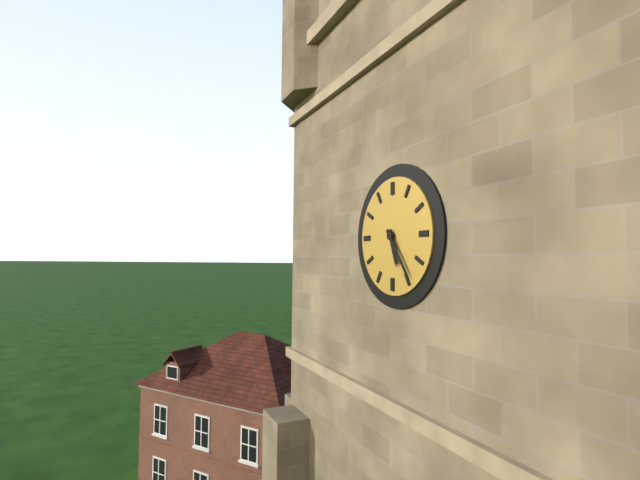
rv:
5.24
